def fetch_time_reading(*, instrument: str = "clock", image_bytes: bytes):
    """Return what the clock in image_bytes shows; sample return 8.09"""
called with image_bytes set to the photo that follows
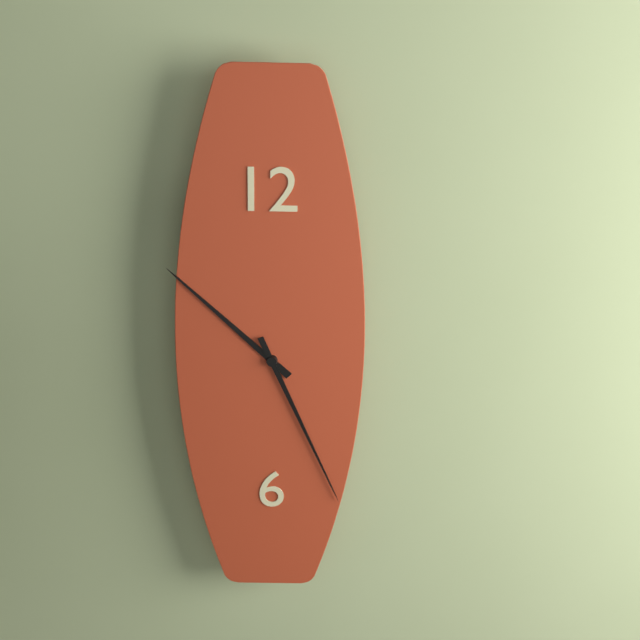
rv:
10.26
